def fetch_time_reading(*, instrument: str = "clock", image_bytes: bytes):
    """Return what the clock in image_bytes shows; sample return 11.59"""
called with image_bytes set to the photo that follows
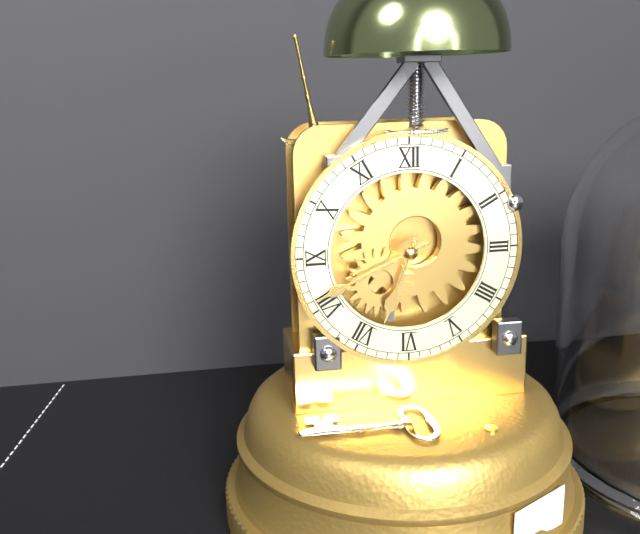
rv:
6.41
